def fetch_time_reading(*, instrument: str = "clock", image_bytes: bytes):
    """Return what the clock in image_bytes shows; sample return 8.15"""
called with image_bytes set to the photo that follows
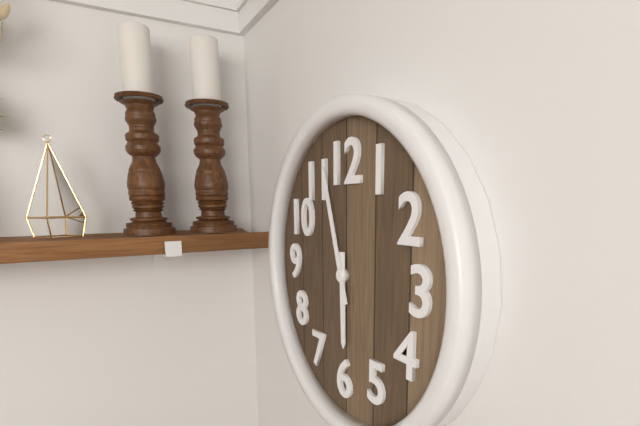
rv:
5.57
